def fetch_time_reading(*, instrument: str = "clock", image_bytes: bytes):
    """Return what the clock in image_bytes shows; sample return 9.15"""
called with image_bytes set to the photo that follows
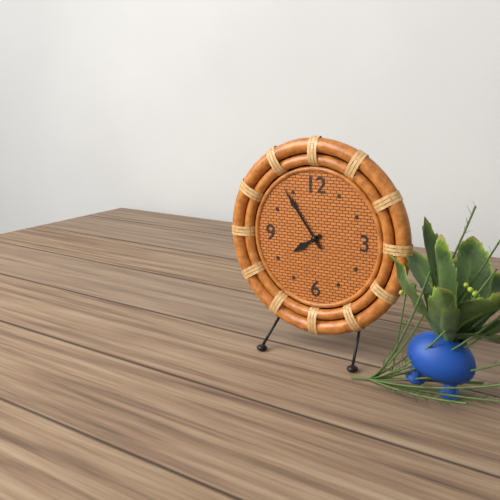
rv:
7.54
